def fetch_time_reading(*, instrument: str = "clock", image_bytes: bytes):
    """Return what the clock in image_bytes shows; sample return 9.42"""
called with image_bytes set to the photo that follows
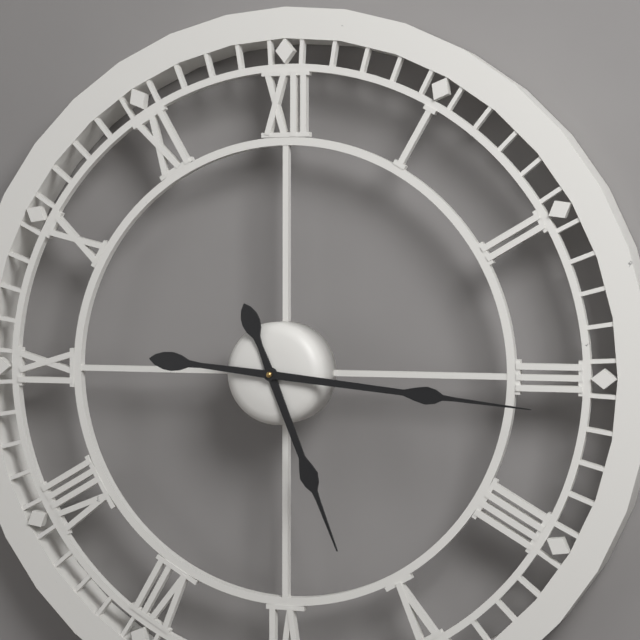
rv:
5.16
